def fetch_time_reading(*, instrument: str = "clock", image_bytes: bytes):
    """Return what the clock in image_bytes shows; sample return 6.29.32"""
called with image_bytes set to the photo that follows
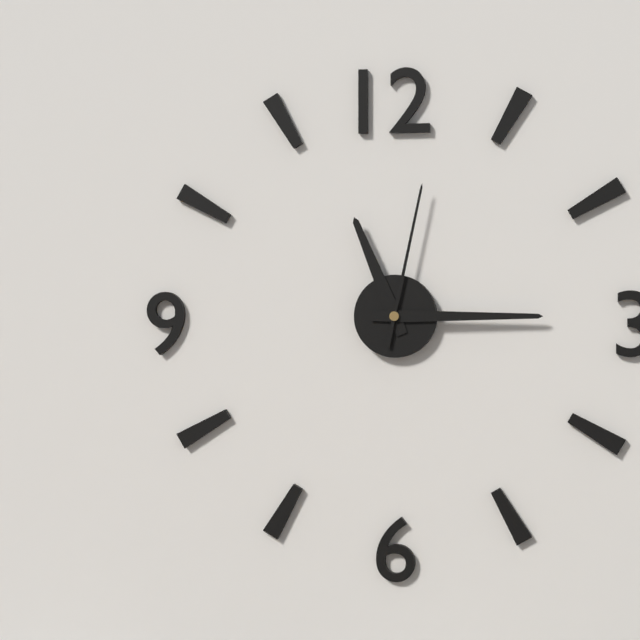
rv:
11.15.02
